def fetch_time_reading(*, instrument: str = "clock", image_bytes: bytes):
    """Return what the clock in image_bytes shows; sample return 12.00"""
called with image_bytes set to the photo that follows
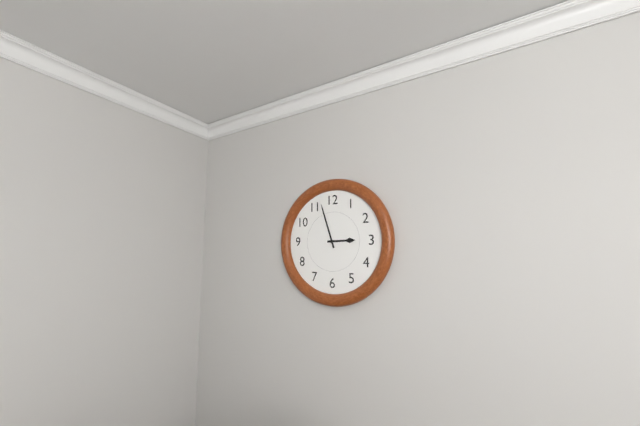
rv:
2.57
